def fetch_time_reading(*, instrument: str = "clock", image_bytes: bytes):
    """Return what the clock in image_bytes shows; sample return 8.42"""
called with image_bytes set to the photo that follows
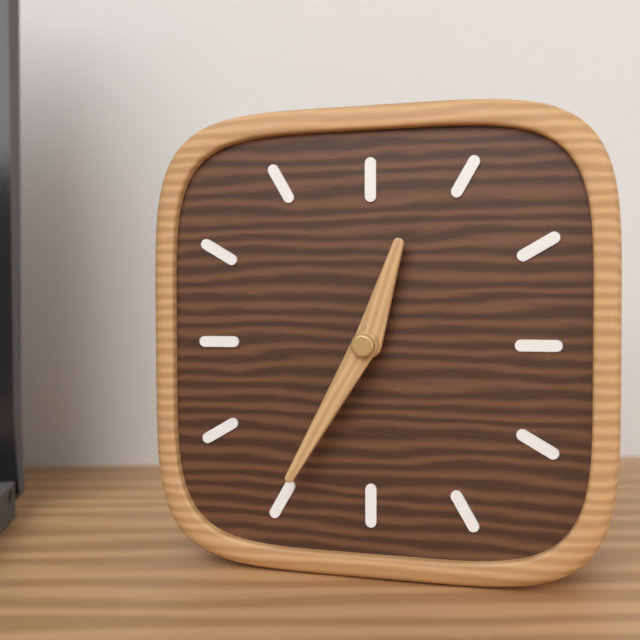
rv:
12.35
